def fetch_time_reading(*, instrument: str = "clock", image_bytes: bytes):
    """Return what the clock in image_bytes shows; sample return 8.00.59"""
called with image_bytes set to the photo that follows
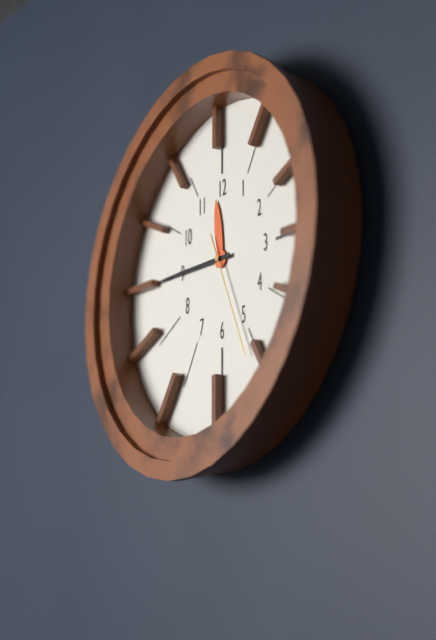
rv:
11.45.26
